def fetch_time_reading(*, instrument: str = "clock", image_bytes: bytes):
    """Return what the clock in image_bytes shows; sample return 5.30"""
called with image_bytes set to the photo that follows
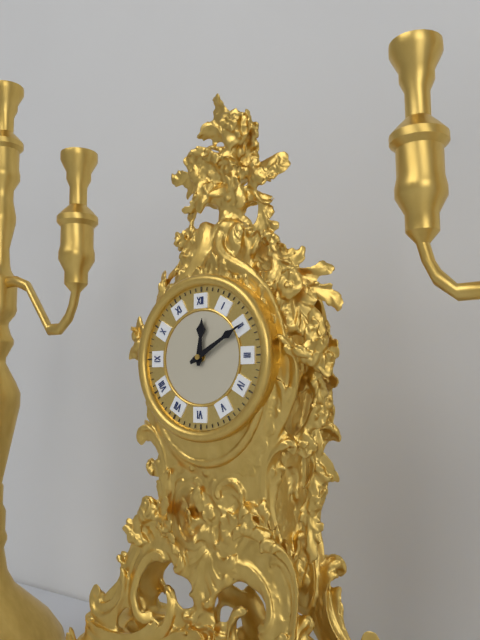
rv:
12.10
